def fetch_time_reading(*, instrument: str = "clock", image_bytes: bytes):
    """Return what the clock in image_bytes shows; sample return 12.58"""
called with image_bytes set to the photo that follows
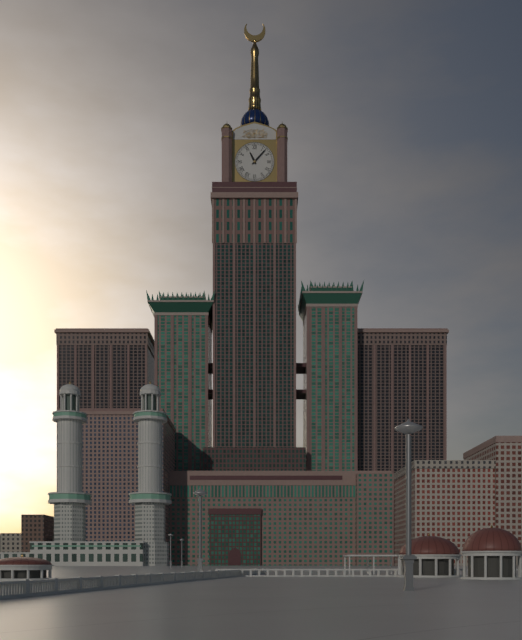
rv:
11.07
